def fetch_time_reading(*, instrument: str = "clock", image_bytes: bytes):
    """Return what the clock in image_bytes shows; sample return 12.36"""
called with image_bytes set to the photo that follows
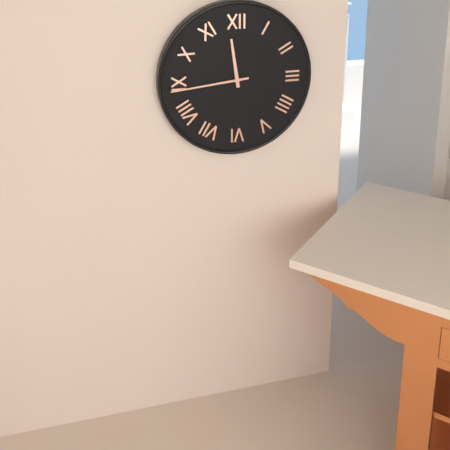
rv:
11.44
